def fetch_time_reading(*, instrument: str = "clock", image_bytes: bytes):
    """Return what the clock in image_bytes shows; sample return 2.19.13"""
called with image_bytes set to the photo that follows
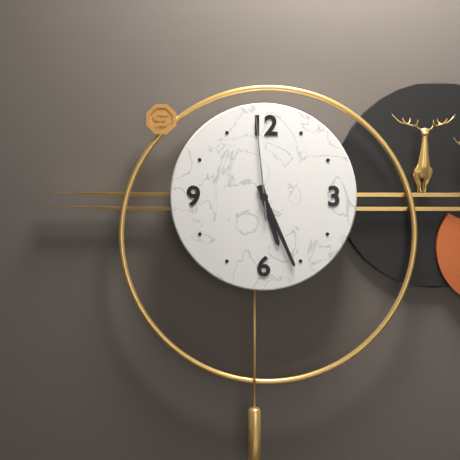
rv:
5.26.59
